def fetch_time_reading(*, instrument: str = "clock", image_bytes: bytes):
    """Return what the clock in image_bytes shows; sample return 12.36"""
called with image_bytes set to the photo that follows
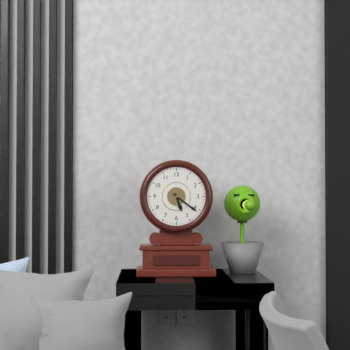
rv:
5.21
